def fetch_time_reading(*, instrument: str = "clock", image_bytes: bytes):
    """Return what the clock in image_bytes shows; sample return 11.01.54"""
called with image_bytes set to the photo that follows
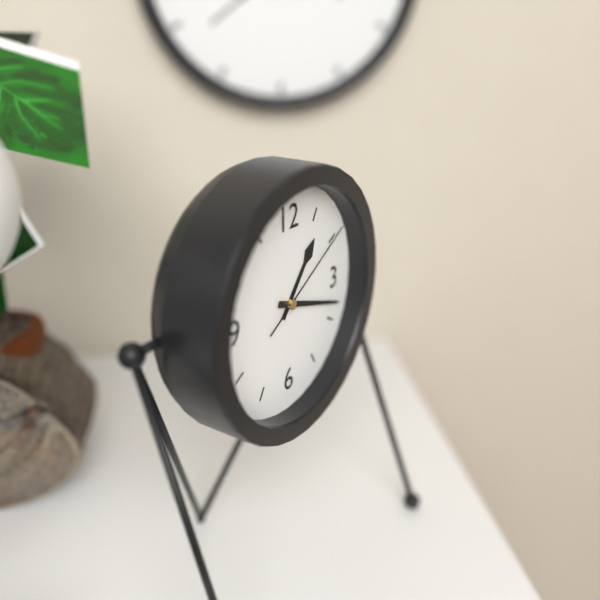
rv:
1.18.10
